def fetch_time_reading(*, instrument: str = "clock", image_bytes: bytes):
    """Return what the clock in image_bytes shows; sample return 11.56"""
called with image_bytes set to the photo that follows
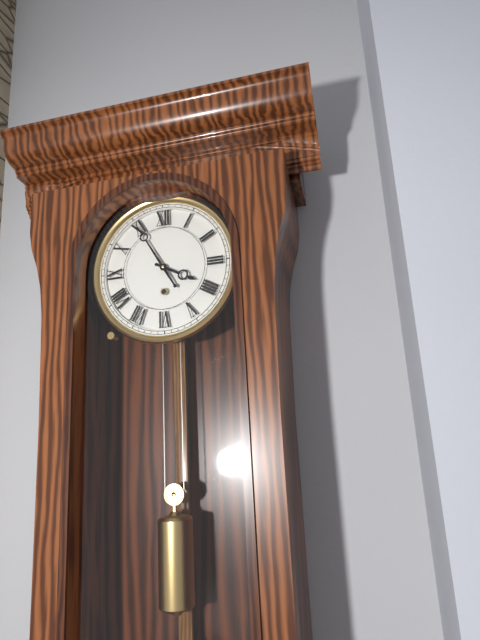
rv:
3.55
